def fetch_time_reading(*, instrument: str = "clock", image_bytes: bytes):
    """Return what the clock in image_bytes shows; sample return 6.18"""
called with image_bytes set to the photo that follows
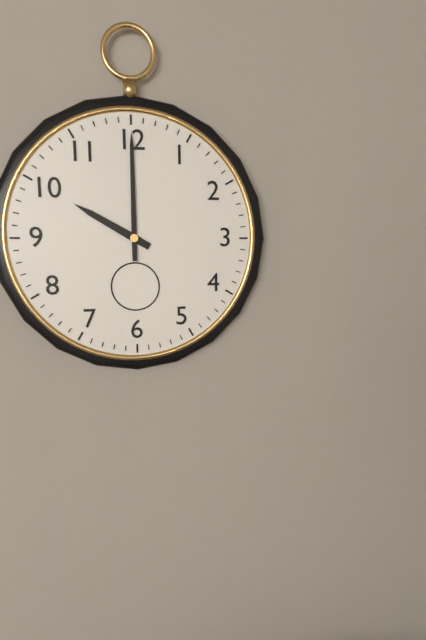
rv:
10.00
